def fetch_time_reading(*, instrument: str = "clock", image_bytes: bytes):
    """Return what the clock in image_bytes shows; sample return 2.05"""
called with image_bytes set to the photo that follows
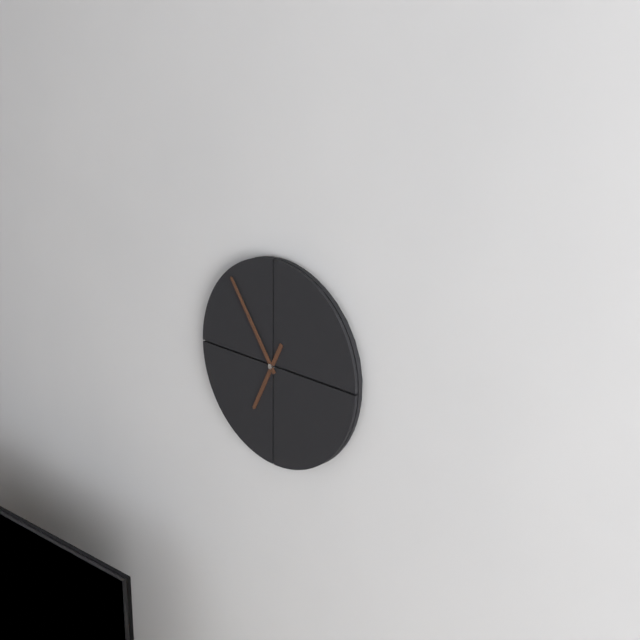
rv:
6.54
